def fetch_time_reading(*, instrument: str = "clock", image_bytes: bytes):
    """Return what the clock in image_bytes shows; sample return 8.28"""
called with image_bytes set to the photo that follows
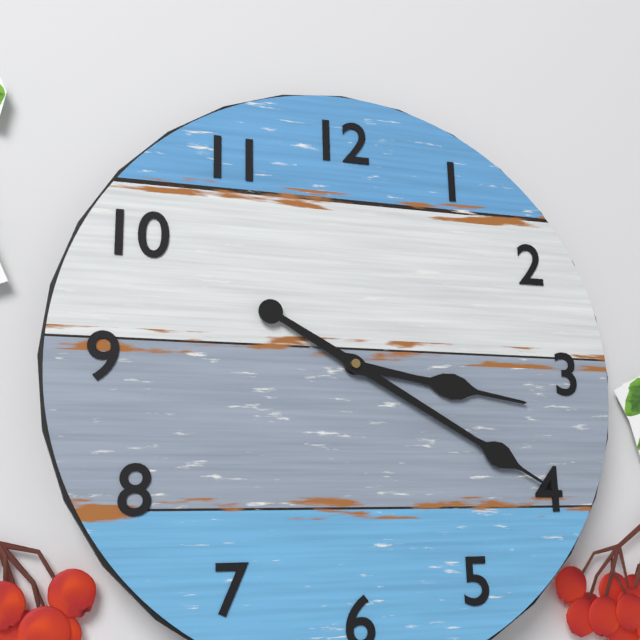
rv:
3.20
